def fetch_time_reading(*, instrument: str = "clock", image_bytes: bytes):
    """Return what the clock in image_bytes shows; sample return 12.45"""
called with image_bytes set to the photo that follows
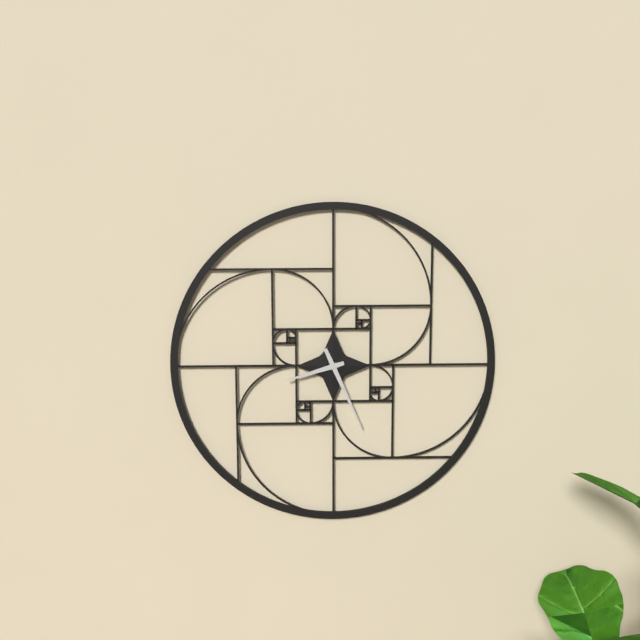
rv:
8.26
